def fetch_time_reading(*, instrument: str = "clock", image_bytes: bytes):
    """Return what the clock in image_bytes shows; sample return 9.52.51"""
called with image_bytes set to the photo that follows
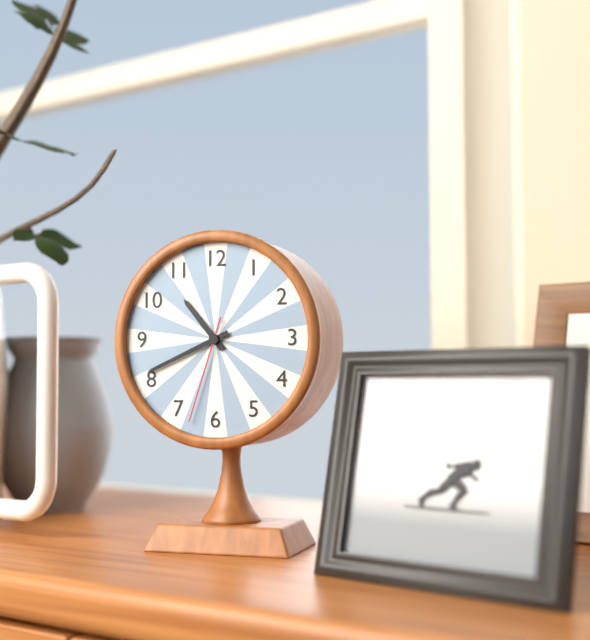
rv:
10.41.33
